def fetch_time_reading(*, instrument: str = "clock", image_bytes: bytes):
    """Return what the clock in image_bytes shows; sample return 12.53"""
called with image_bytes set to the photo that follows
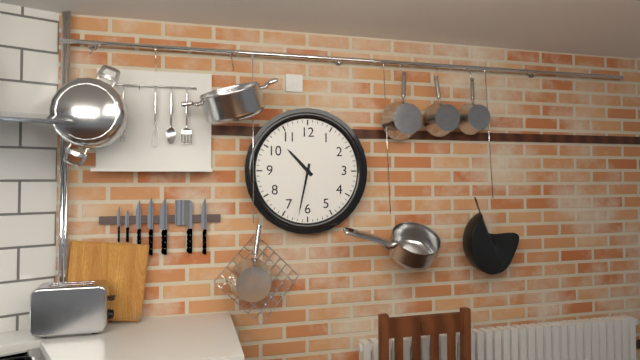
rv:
10.32
